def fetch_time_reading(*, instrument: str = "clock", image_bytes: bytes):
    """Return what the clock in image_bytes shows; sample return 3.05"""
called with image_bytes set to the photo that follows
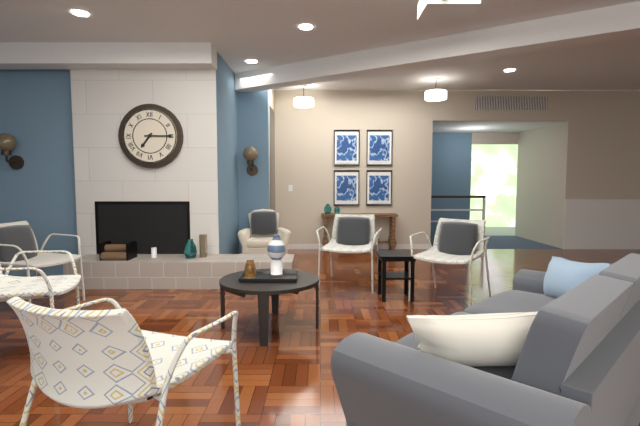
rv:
7.15
